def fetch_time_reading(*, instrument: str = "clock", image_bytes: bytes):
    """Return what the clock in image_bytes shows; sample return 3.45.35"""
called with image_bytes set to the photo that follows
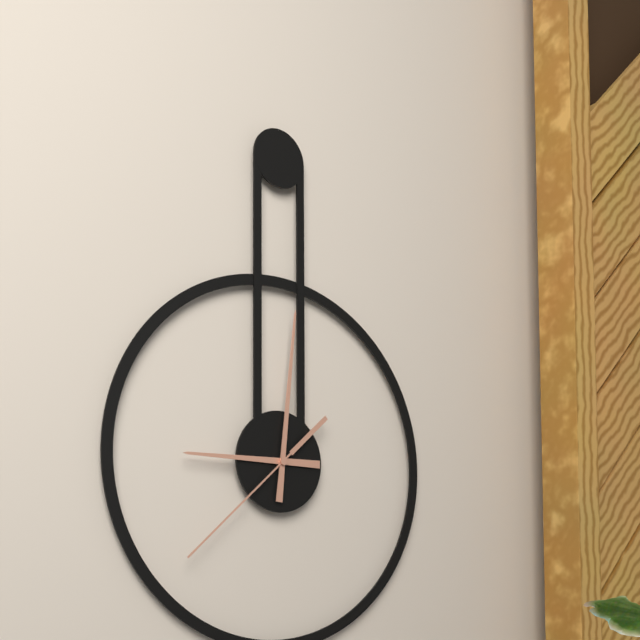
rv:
9.01.38
